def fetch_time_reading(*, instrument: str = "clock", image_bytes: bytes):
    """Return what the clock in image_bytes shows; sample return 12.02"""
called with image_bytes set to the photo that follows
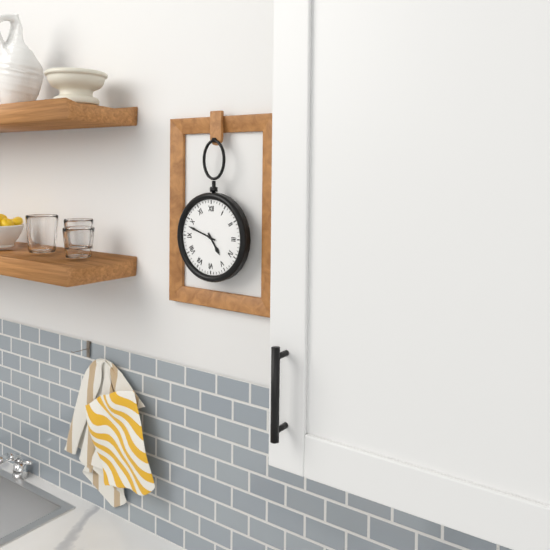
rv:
4.48
